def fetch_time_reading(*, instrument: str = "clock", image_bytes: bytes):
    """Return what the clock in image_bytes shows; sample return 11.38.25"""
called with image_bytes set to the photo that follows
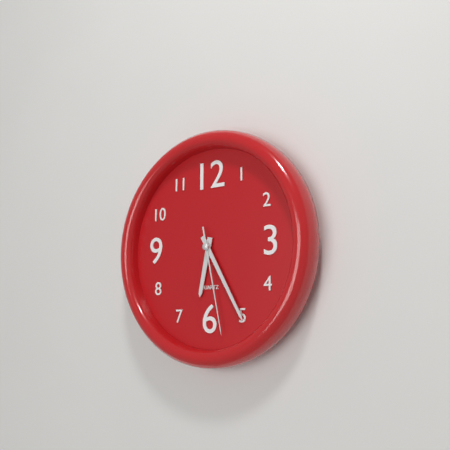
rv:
6.25.28
